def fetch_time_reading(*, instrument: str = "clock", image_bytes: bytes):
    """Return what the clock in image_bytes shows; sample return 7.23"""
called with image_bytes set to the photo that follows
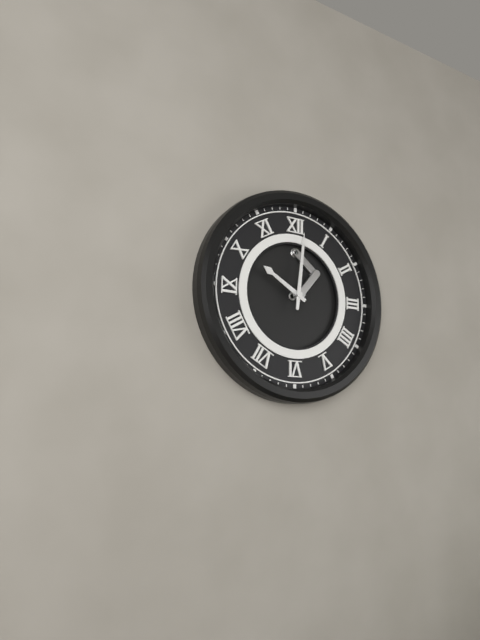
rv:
10.01
